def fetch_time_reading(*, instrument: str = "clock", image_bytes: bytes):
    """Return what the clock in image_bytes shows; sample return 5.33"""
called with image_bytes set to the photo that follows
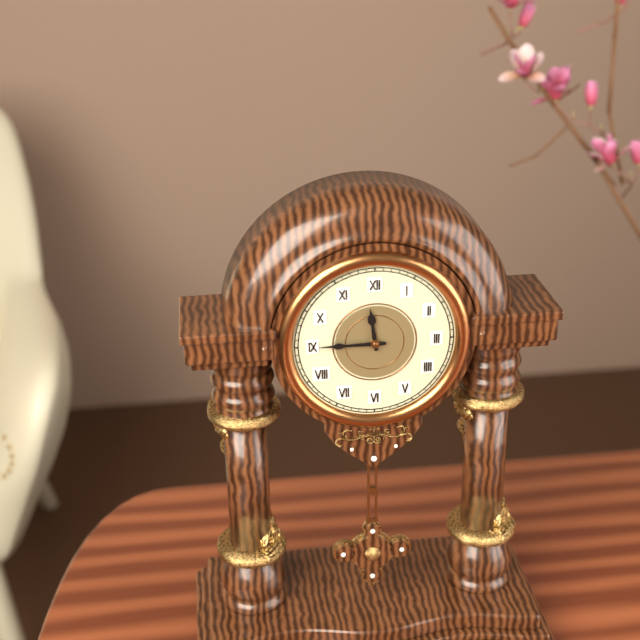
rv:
11.45
